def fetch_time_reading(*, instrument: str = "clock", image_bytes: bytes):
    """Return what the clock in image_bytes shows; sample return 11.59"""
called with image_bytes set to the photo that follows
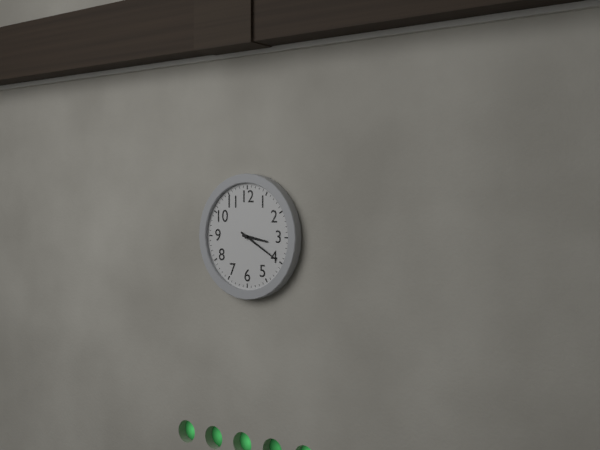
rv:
3.20
